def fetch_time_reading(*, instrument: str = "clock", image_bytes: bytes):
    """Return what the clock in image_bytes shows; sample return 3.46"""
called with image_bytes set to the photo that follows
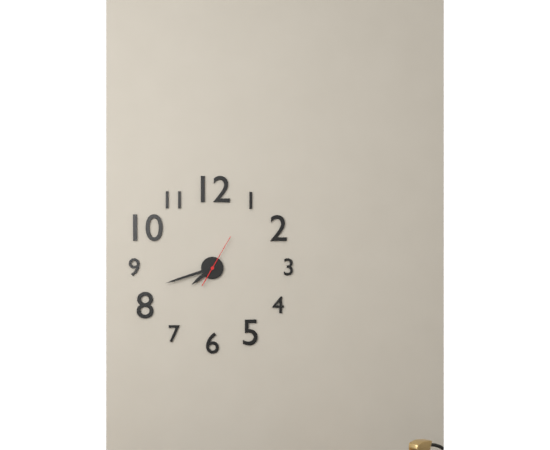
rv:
7.42
